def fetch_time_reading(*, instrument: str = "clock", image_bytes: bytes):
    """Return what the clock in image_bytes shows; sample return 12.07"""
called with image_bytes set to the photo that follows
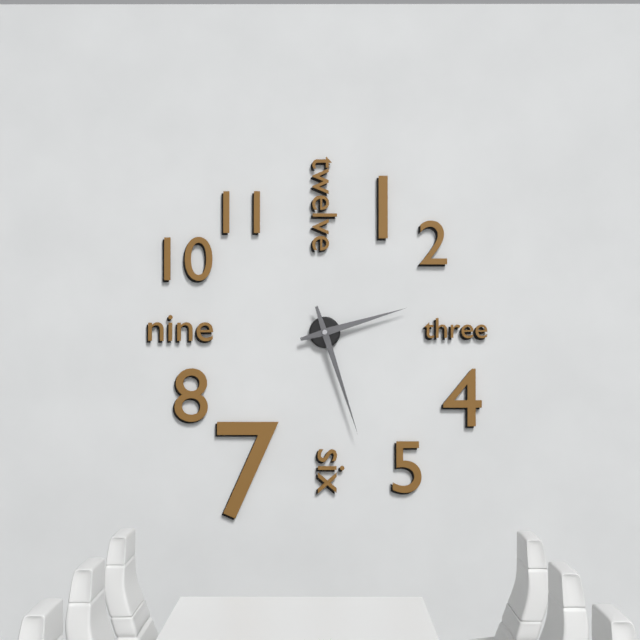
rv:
2.27
